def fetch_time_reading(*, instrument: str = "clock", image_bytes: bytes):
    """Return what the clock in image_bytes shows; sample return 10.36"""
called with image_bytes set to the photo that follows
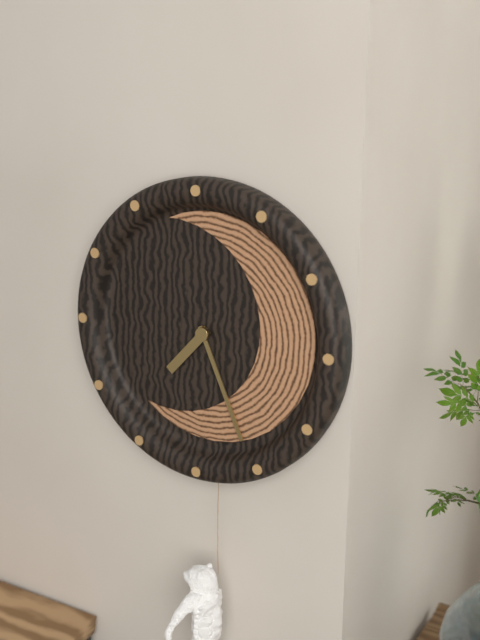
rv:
7.26
